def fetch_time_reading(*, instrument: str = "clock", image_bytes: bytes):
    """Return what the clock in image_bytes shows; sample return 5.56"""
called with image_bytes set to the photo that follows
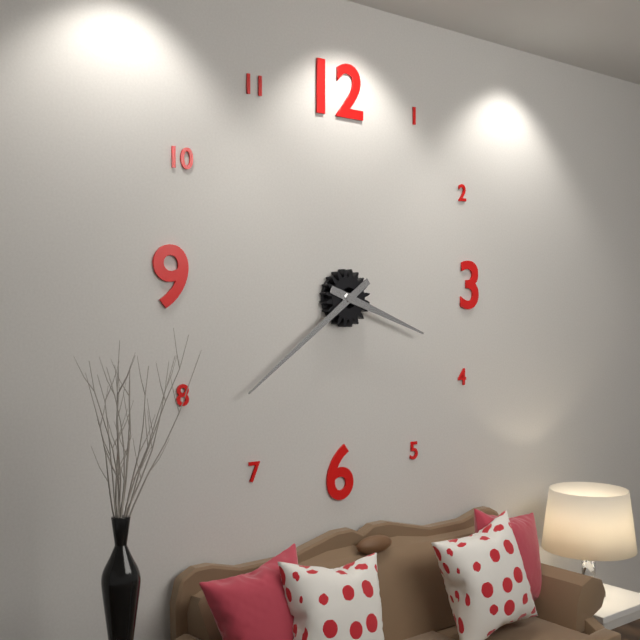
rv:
3.39
